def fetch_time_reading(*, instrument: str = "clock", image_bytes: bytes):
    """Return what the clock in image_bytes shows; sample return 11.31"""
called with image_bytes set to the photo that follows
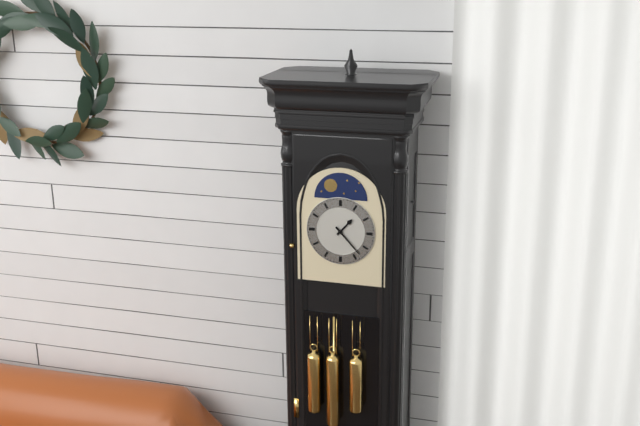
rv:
1.23
